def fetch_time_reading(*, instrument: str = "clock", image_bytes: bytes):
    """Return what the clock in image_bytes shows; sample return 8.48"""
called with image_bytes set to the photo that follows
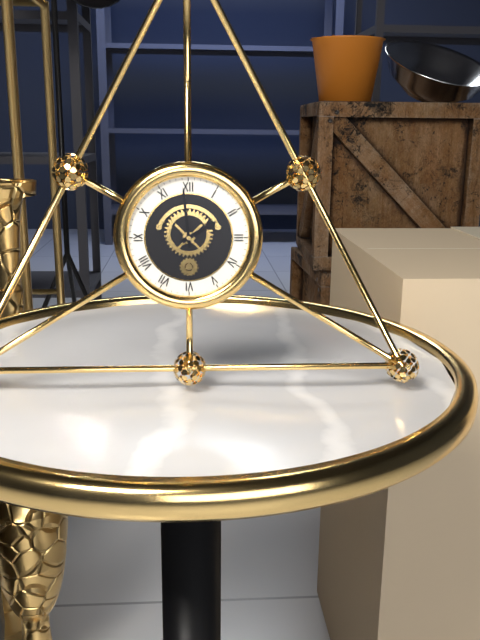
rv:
1.59
